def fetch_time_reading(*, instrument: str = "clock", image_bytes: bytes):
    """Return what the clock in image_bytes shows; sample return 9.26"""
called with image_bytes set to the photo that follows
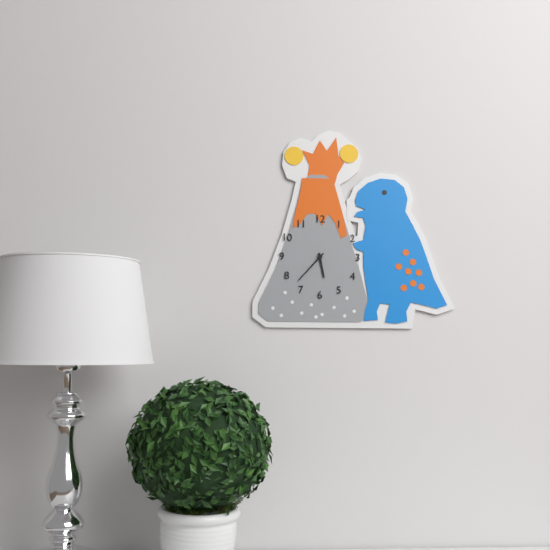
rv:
5.37
